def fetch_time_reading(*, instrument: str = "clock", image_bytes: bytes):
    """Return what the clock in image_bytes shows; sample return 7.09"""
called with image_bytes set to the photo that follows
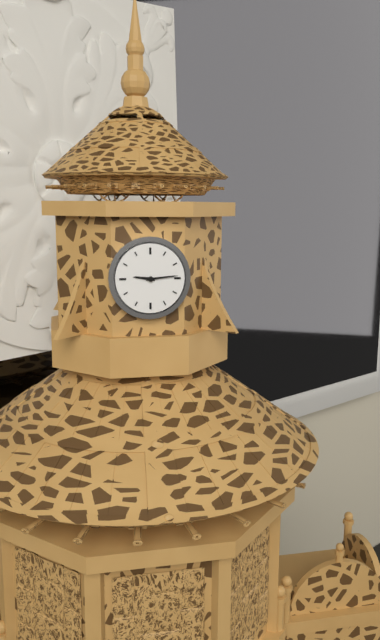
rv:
9.14
